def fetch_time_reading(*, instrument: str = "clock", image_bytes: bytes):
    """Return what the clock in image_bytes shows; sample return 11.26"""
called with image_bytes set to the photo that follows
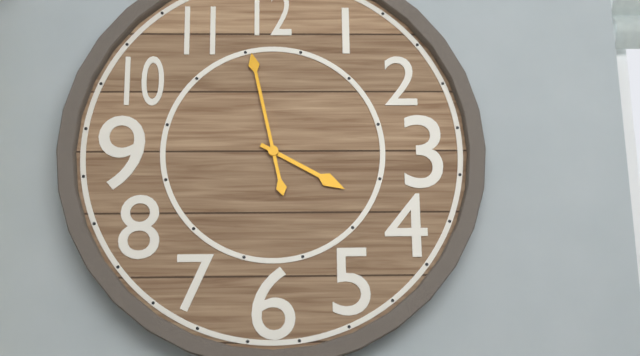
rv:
3.58
